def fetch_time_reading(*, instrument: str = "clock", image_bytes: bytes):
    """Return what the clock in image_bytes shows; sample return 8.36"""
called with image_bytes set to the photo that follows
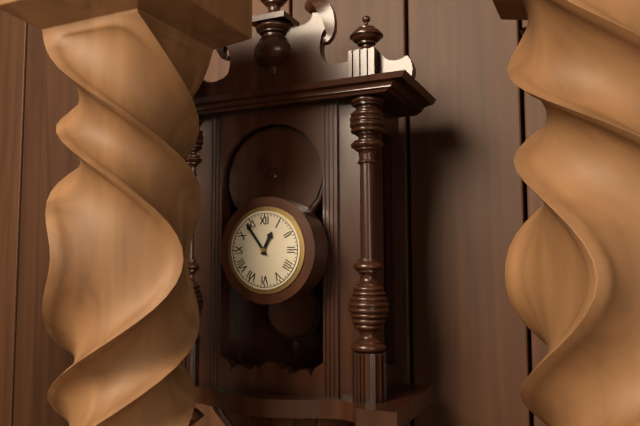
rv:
12.54
